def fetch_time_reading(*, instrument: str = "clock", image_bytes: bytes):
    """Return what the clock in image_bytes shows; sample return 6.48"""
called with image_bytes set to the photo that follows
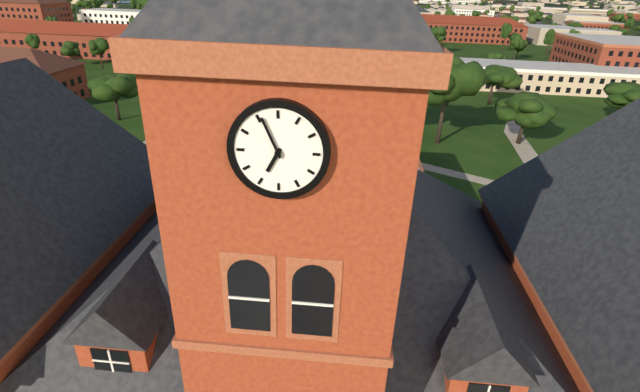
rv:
6.56
